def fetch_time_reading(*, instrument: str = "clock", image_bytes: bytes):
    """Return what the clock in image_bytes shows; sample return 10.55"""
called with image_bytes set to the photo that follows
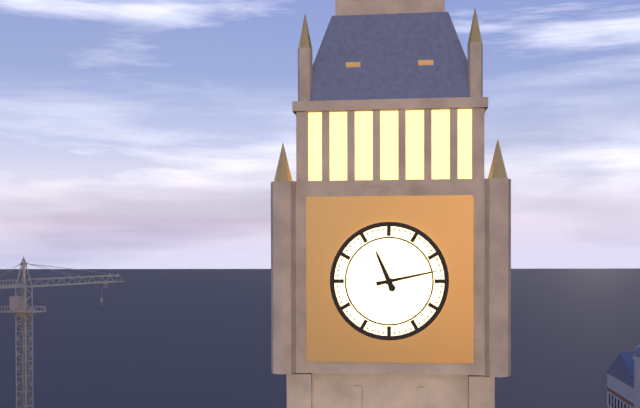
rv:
11.13
